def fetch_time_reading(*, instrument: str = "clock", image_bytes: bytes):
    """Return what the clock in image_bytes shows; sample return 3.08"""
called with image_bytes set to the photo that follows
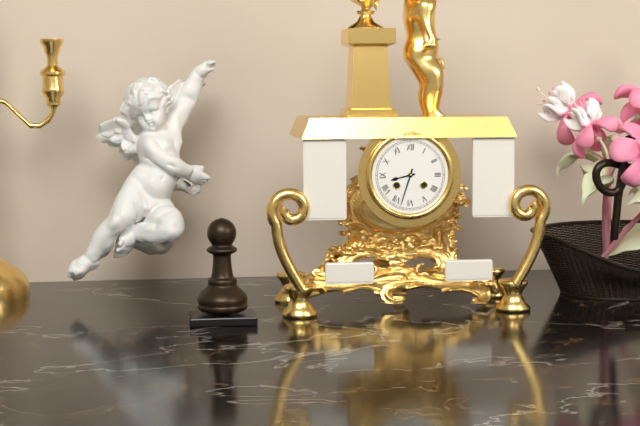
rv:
8.33
